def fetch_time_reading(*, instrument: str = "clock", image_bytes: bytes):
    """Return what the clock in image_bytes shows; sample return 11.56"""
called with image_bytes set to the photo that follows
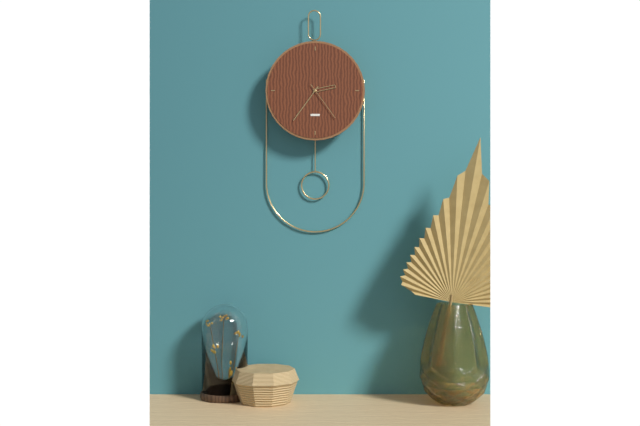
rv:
2.36
